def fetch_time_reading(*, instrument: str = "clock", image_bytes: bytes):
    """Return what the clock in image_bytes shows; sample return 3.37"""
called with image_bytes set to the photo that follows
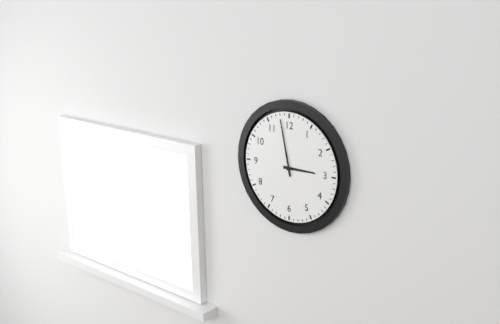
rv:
2.58
